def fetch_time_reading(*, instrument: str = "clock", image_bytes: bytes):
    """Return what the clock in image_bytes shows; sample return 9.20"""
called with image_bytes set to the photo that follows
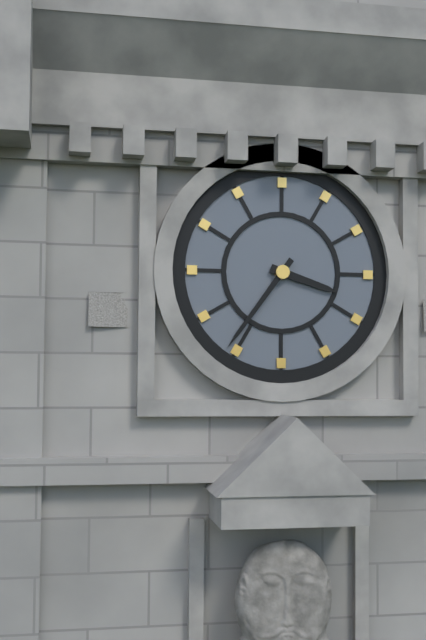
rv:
3.36
